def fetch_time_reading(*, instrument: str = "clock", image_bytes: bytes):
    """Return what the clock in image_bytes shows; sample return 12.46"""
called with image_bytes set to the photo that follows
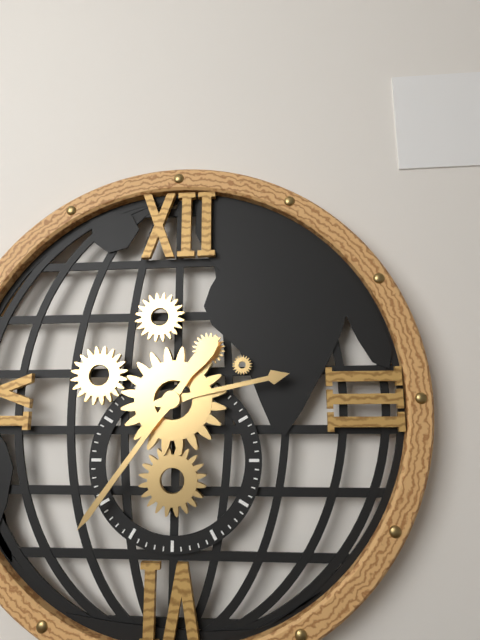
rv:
2.36
